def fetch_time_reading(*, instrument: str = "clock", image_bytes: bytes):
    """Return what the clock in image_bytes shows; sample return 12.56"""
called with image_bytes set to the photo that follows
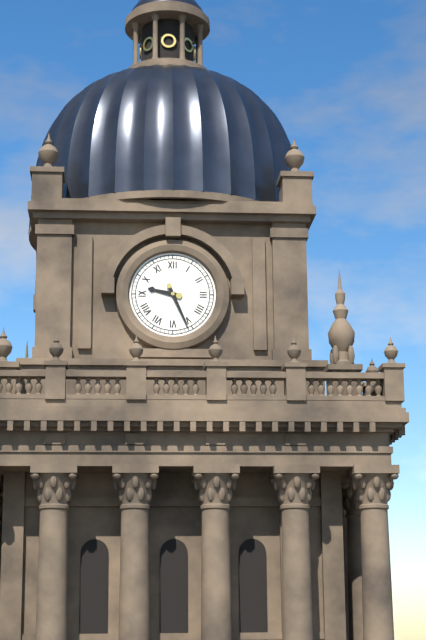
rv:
9.26
